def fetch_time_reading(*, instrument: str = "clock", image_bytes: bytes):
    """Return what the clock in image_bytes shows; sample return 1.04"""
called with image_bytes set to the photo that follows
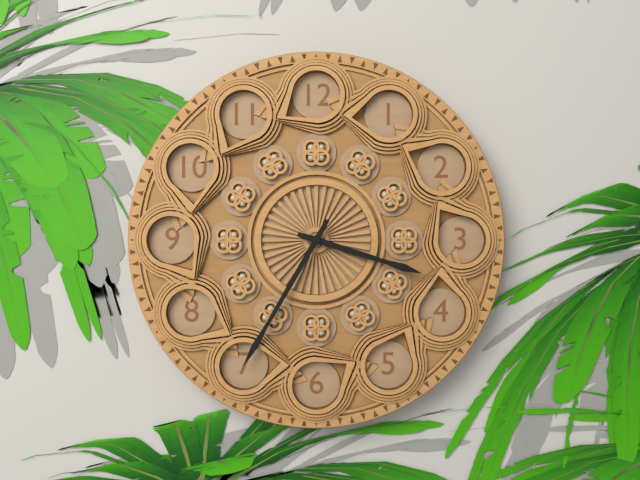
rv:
3.35
